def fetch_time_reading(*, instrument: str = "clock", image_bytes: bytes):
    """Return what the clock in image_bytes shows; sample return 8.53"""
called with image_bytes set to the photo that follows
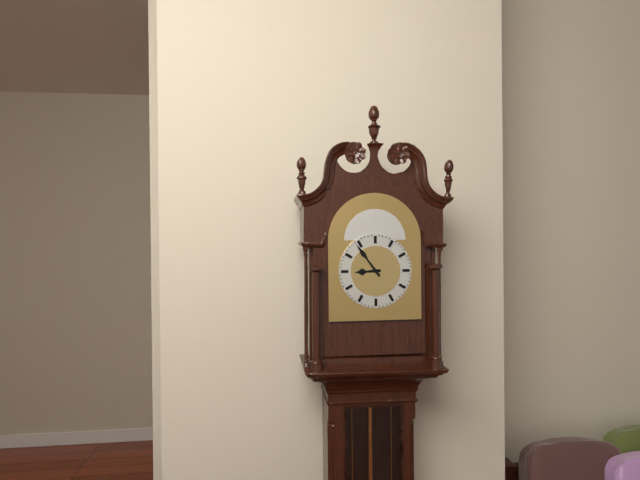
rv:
8.54
